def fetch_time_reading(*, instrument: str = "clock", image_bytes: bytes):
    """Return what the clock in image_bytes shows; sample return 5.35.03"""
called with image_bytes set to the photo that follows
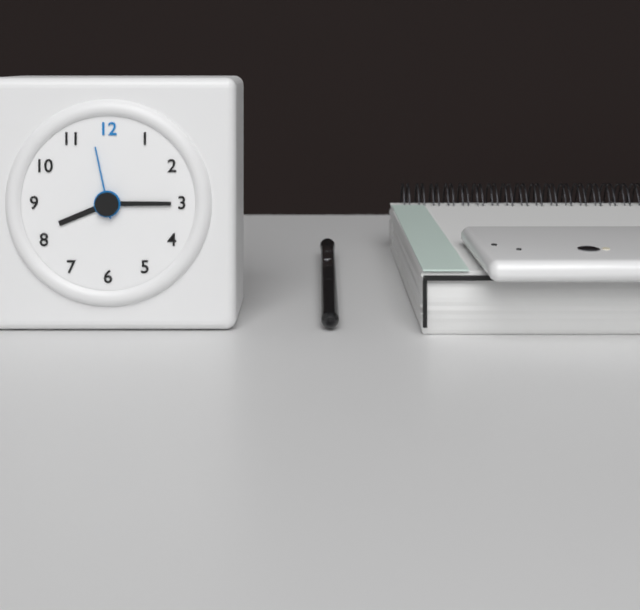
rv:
8.15.58
